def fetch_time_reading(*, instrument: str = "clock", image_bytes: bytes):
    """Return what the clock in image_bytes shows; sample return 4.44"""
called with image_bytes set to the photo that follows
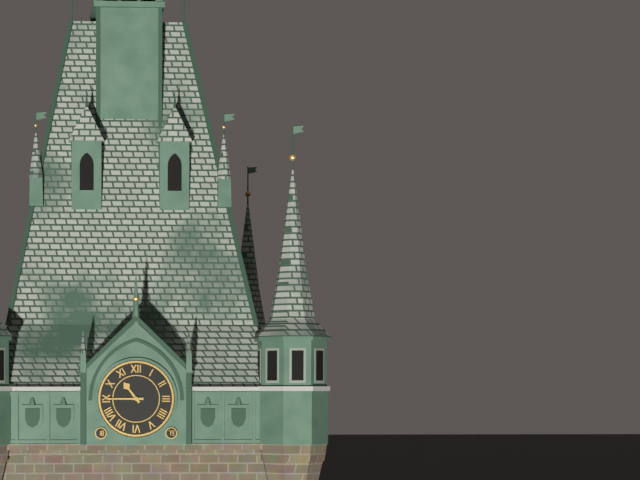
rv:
10.45
